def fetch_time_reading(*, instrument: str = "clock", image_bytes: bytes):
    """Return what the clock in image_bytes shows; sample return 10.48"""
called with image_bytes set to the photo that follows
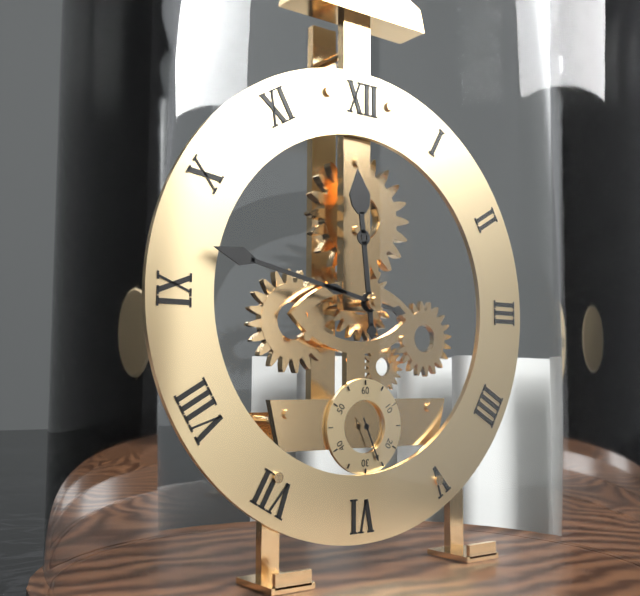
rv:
11.47
